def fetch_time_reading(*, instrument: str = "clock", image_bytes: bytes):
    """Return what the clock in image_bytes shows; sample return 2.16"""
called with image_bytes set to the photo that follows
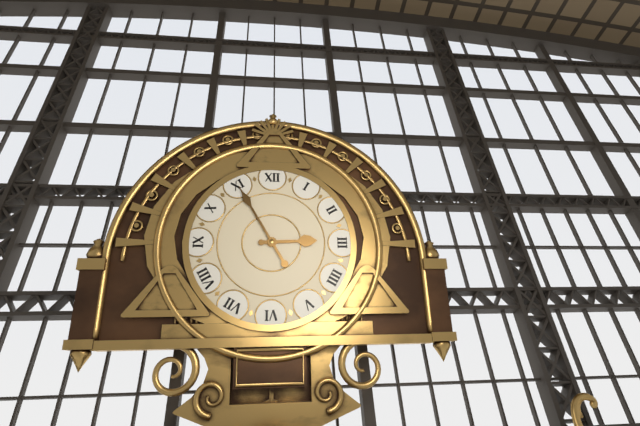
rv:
2.55
